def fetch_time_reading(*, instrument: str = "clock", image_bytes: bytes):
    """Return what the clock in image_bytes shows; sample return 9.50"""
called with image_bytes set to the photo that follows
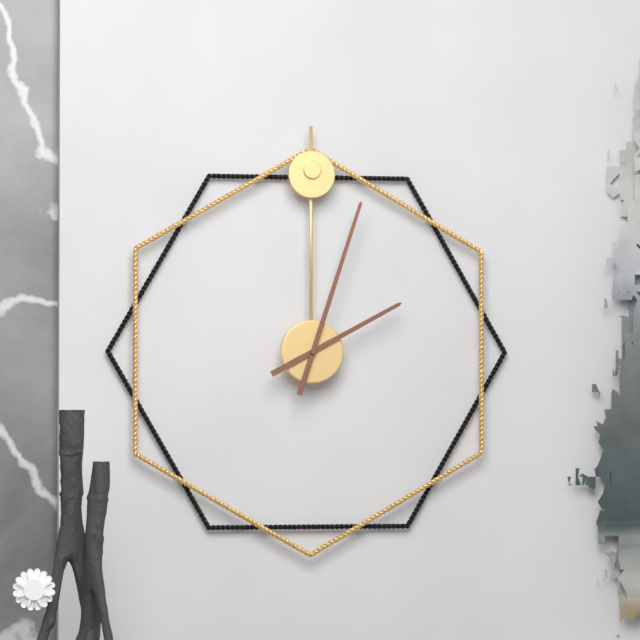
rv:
2.03
